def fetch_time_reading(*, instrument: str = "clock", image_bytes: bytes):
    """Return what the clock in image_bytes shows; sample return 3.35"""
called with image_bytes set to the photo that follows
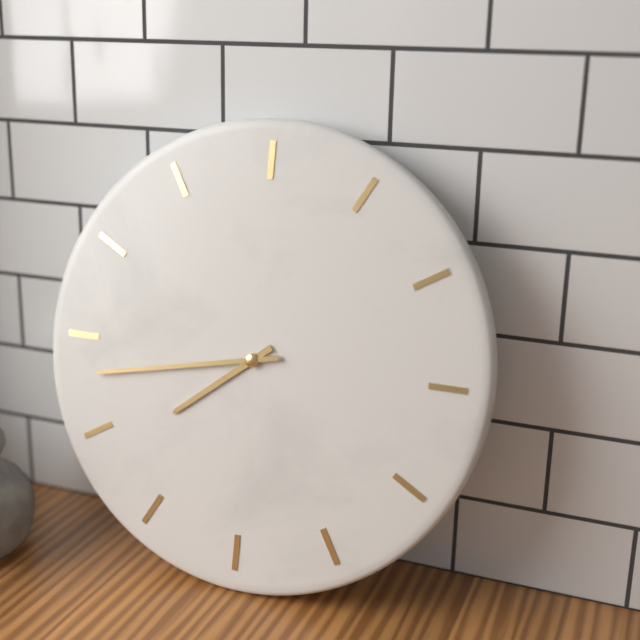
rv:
7.43
